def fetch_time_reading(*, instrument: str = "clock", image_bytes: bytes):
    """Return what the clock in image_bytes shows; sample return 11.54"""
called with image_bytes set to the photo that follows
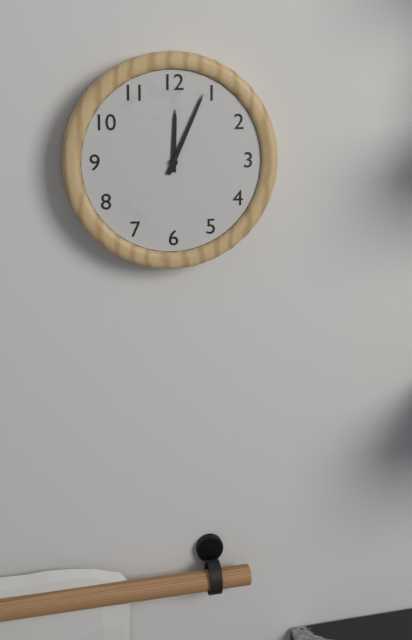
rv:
12.04
